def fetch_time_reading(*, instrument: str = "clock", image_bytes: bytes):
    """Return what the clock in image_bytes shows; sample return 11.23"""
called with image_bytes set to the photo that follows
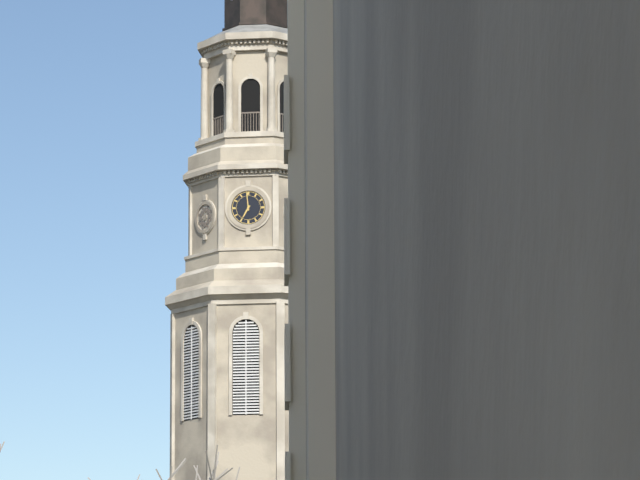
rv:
6.59
